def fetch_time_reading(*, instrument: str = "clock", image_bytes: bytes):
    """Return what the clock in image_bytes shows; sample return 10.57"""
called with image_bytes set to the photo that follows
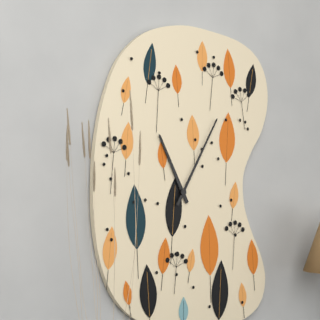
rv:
11.05
